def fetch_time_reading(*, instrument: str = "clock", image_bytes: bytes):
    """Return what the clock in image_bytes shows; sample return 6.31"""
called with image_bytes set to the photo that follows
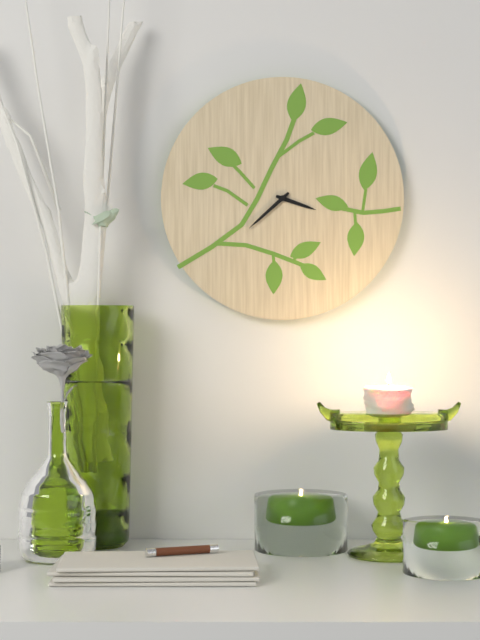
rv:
3.38
